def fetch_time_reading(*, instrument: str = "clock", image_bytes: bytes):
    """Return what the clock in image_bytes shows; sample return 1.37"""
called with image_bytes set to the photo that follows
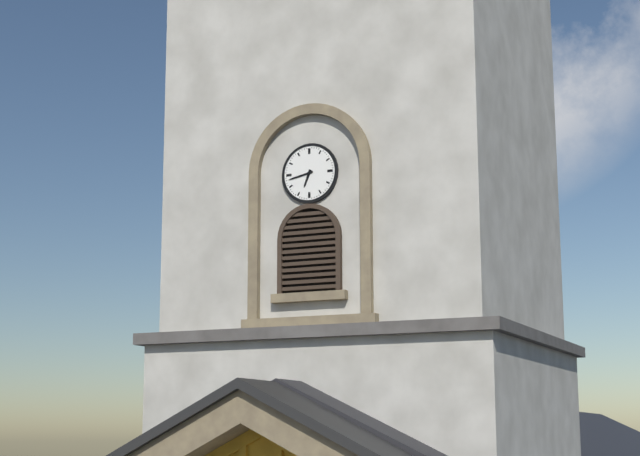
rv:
6.43
